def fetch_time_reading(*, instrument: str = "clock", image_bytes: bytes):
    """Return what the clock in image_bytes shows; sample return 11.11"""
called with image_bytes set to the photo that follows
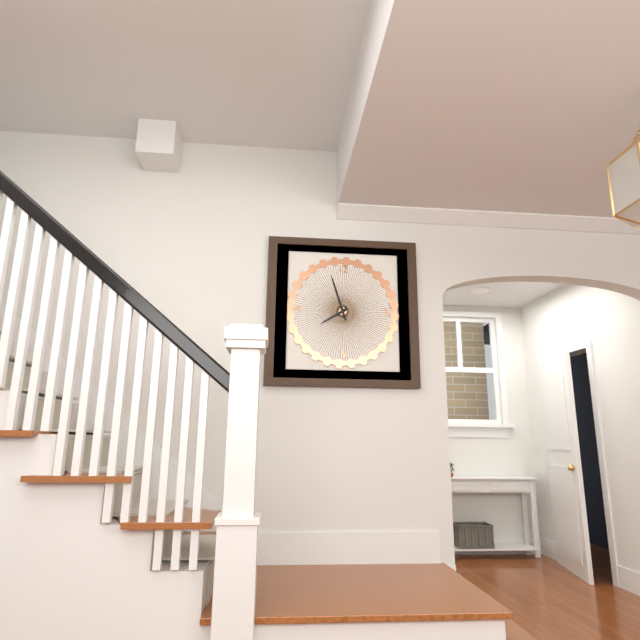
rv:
7.57
